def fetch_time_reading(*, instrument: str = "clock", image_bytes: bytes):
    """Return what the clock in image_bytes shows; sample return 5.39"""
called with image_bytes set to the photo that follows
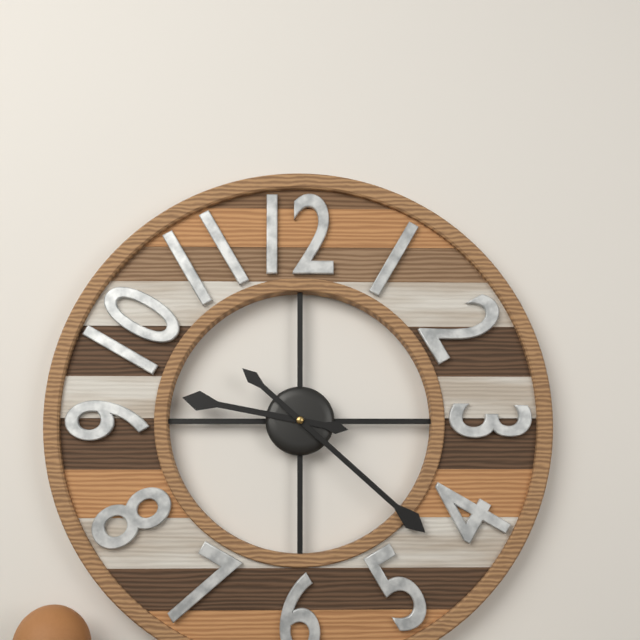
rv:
9.22
